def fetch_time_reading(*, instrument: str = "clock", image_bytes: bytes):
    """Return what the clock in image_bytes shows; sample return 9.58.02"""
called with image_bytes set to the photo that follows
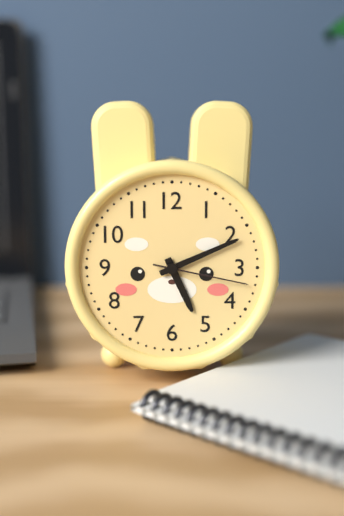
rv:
5.11.17
